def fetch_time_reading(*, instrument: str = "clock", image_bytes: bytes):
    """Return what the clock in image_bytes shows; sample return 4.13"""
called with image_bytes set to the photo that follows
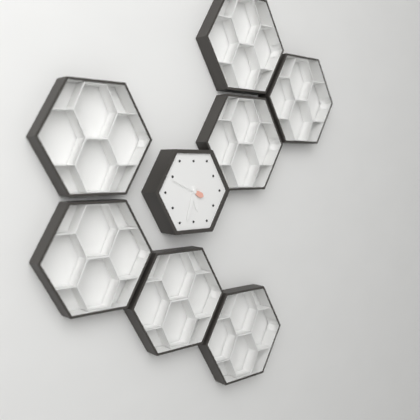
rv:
5.33
